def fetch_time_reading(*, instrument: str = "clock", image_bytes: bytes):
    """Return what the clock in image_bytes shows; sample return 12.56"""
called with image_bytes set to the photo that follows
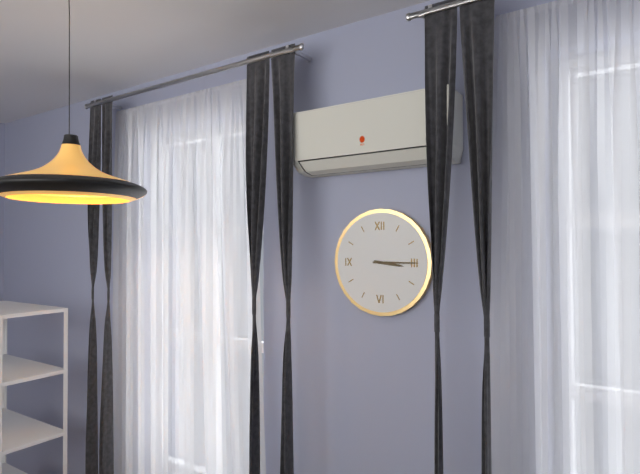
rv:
3.15
